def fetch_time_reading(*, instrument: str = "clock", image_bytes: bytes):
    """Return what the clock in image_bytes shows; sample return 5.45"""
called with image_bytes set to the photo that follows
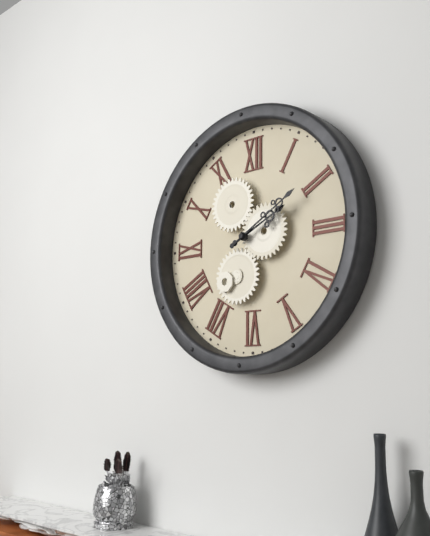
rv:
2.10
